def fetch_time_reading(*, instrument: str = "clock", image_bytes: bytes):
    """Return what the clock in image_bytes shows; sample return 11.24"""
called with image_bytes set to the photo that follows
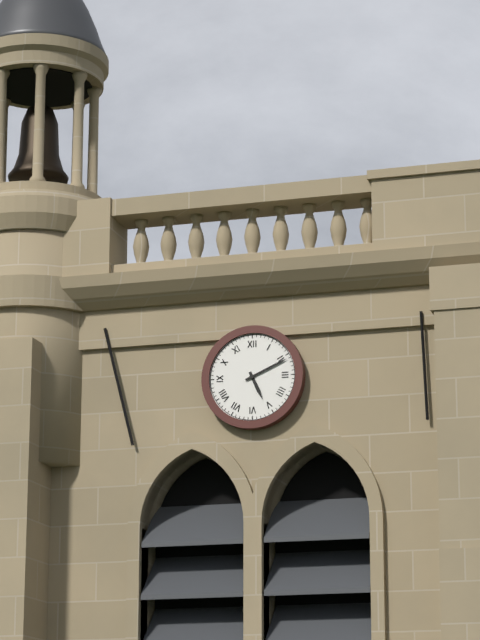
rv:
5.11
